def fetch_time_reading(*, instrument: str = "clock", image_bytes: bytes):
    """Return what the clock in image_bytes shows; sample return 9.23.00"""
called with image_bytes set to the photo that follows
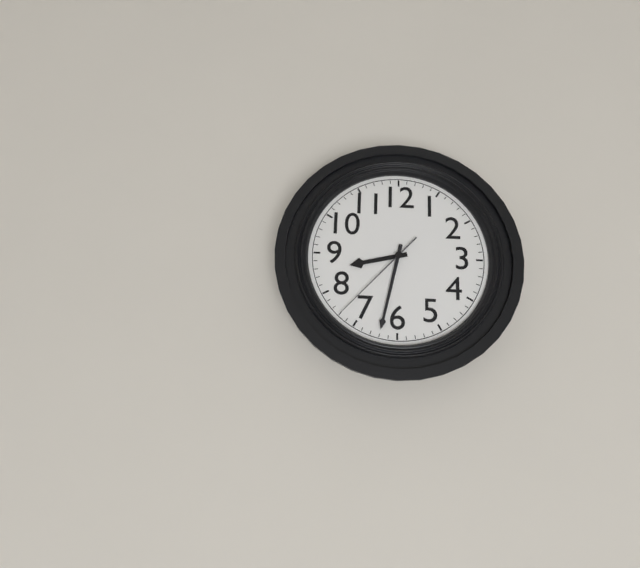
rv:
8.32.37
